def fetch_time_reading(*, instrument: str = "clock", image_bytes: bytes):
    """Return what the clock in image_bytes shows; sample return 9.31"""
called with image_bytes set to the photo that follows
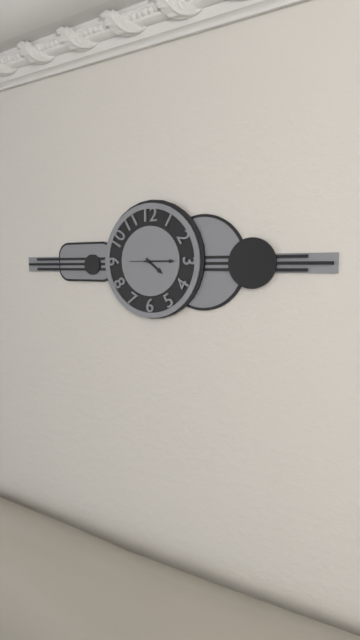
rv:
4.15
